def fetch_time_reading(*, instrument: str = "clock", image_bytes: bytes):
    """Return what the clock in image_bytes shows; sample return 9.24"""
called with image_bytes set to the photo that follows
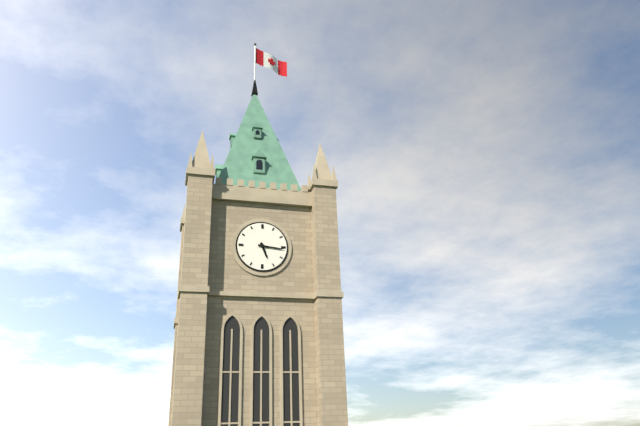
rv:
5.16
